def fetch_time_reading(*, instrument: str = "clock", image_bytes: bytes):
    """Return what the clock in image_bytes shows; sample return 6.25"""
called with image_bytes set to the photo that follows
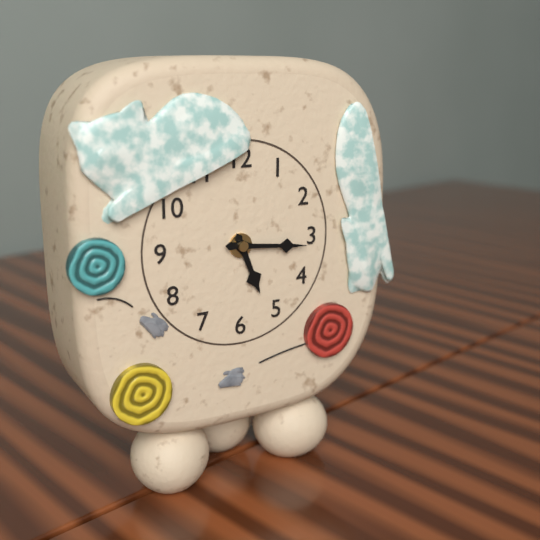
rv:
5.16
